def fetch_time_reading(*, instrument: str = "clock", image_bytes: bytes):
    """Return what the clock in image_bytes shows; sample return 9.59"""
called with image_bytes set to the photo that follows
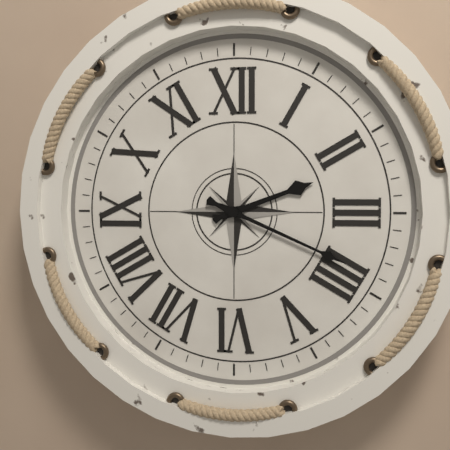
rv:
2.19
